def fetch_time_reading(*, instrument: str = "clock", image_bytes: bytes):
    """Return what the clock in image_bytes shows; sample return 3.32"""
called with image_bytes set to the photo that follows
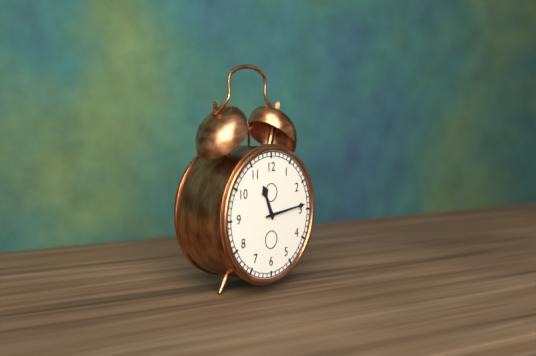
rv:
11.14
